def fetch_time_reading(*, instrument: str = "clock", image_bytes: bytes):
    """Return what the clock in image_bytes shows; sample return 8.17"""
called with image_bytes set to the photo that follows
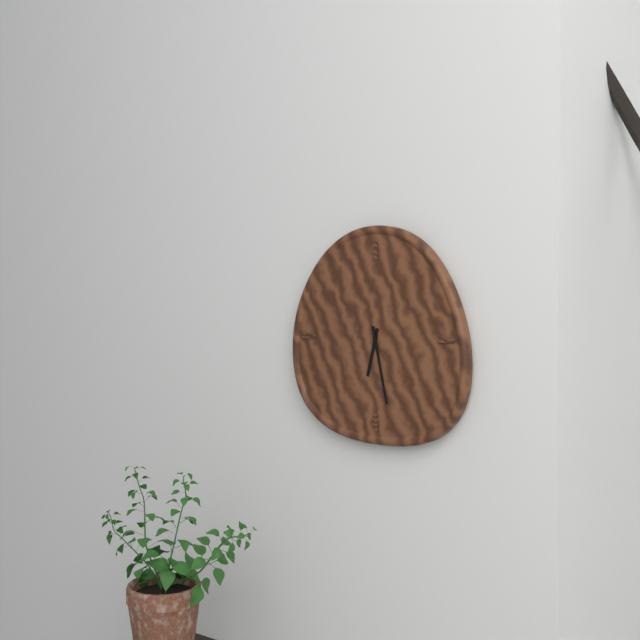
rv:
6.28
